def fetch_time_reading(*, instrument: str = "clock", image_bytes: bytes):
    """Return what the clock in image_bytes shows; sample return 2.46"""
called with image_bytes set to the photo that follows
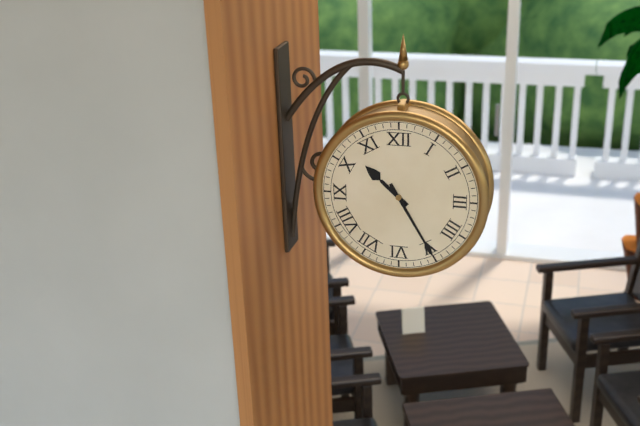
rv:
10.25
